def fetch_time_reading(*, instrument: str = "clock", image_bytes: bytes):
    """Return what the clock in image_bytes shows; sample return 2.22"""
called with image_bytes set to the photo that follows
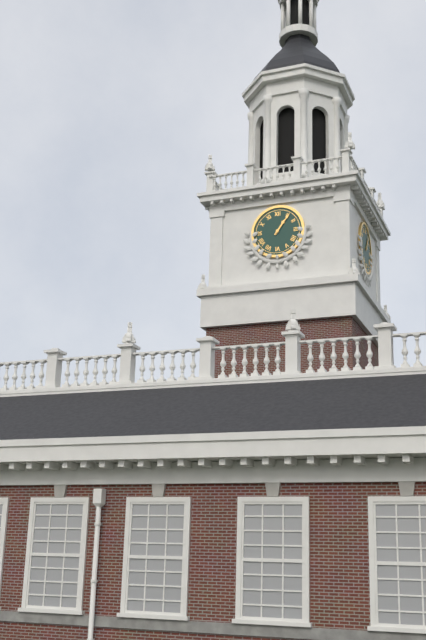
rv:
1.06
